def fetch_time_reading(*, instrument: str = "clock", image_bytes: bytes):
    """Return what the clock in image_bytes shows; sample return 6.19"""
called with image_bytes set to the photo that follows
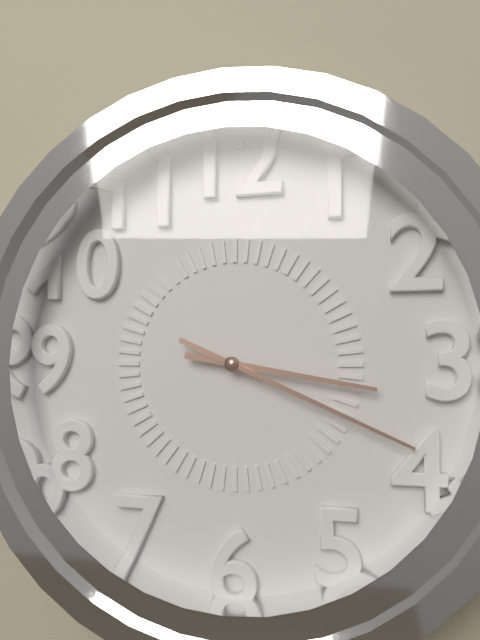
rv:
3.19
